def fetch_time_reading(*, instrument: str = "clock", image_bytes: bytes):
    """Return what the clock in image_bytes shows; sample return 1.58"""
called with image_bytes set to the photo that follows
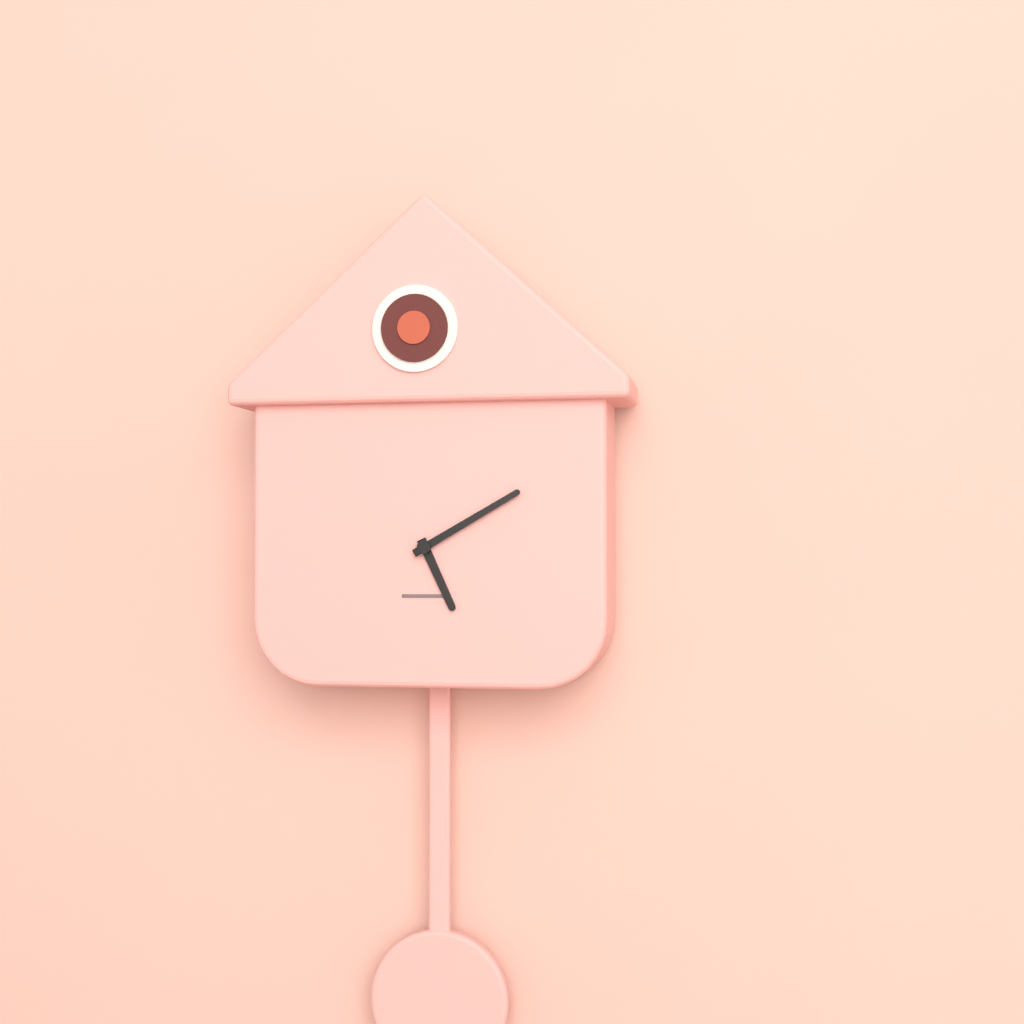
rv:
5.10
